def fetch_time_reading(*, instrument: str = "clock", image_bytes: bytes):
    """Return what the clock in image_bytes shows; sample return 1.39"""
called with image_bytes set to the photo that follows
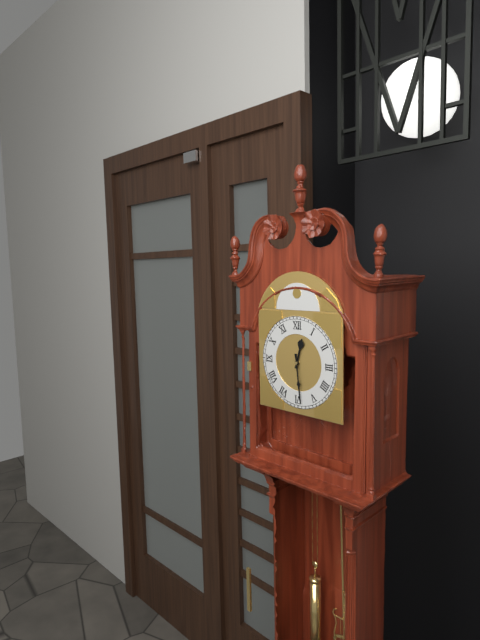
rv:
12.29
